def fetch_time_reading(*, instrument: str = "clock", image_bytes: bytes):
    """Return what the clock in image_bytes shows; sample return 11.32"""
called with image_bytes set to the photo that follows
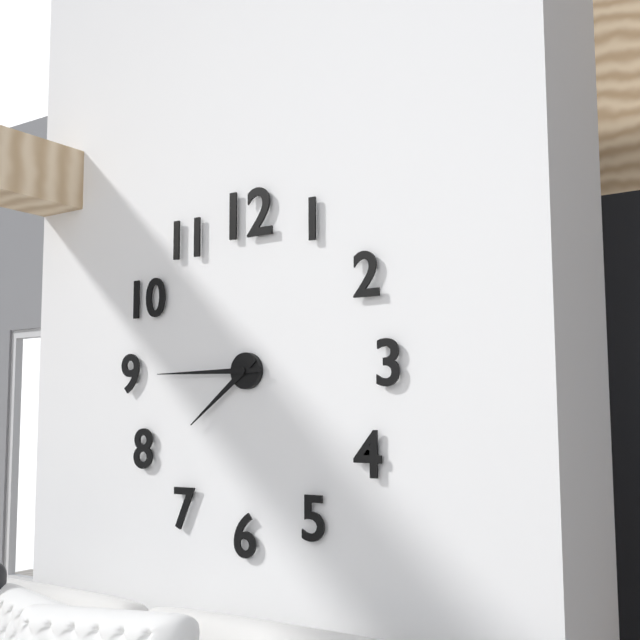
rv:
7.45
